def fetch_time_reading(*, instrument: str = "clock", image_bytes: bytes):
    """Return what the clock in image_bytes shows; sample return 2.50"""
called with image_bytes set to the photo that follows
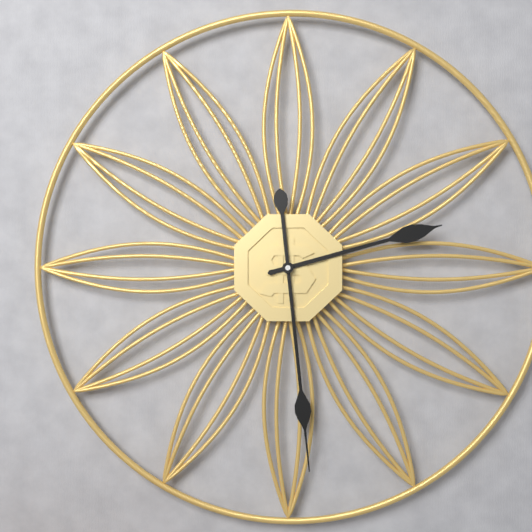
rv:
2.29
